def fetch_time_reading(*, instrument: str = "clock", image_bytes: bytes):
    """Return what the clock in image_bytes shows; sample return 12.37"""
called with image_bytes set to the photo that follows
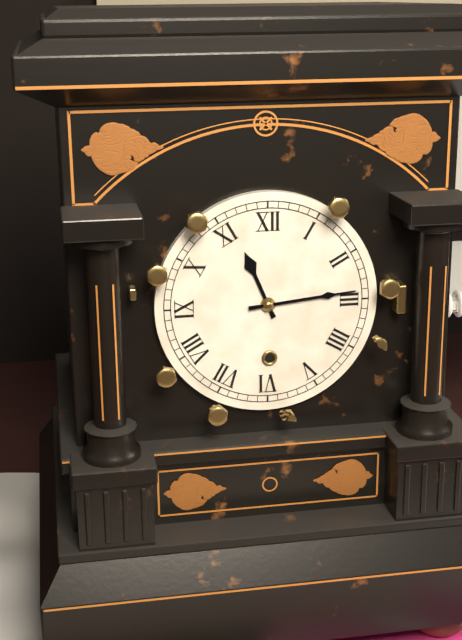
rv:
11.14
